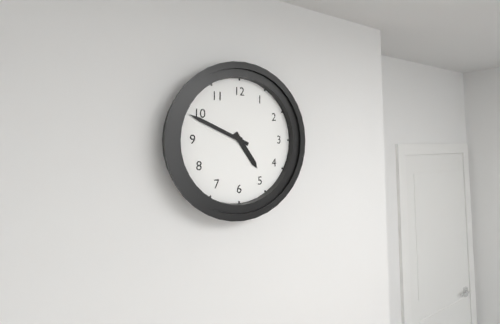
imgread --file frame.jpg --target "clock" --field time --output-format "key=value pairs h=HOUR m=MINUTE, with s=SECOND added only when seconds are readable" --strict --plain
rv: h=4 m=49
